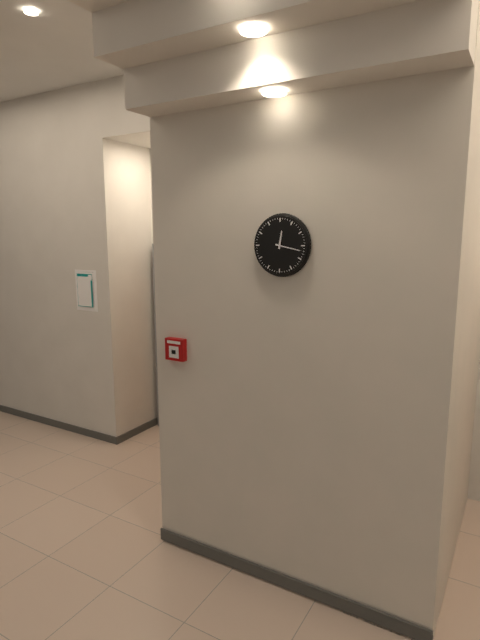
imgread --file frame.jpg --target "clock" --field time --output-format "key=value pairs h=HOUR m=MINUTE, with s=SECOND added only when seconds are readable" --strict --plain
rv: h=12 m=17
